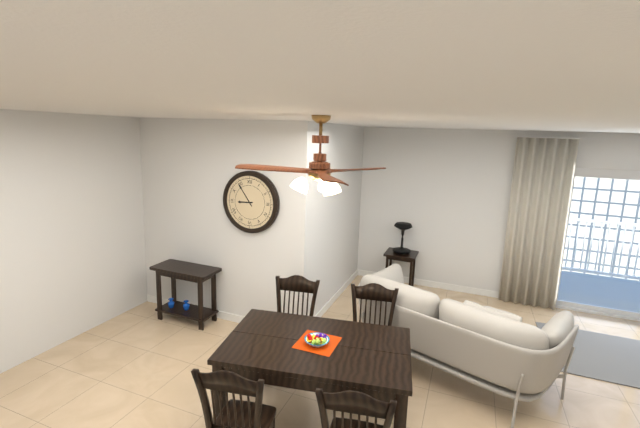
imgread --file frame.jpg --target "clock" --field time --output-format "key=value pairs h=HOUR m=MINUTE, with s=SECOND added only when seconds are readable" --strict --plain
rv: h=8 m=54
